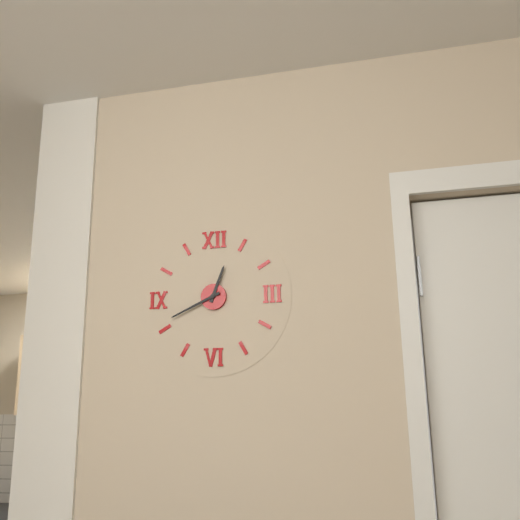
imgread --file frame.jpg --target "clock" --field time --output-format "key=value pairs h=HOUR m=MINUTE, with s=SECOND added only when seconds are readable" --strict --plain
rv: h=12 m=41
